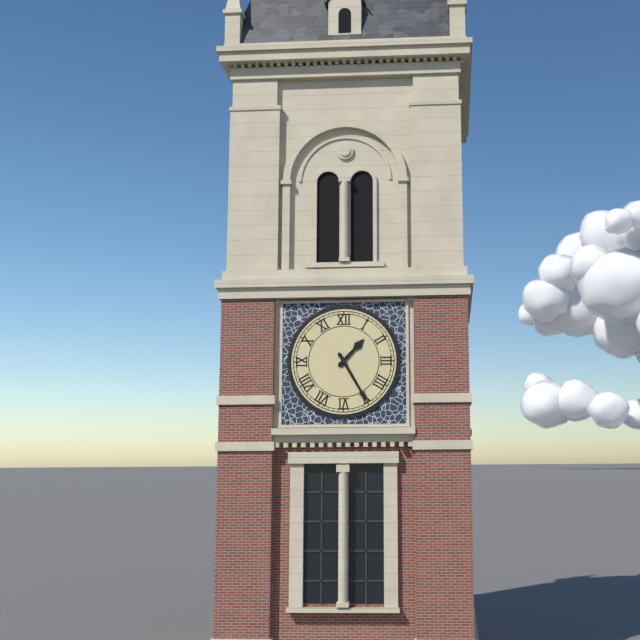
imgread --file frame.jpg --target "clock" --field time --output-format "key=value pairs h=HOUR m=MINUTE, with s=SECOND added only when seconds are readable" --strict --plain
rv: h=1 m=25
